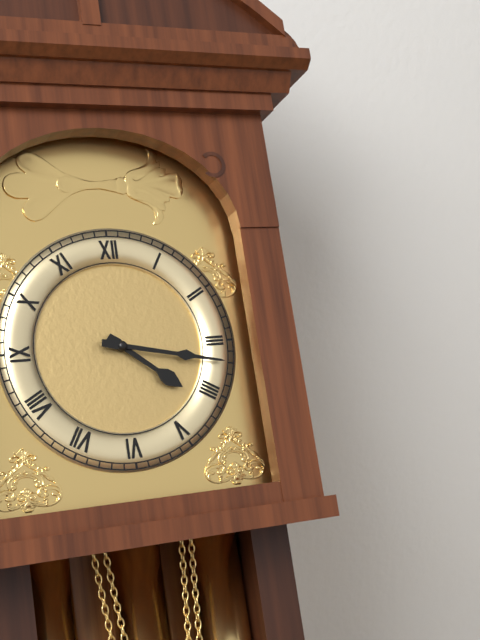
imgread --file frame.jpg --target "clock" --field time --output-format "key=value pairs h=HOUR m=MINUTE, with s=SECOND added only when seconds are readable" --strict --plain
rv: h=4 m=17
